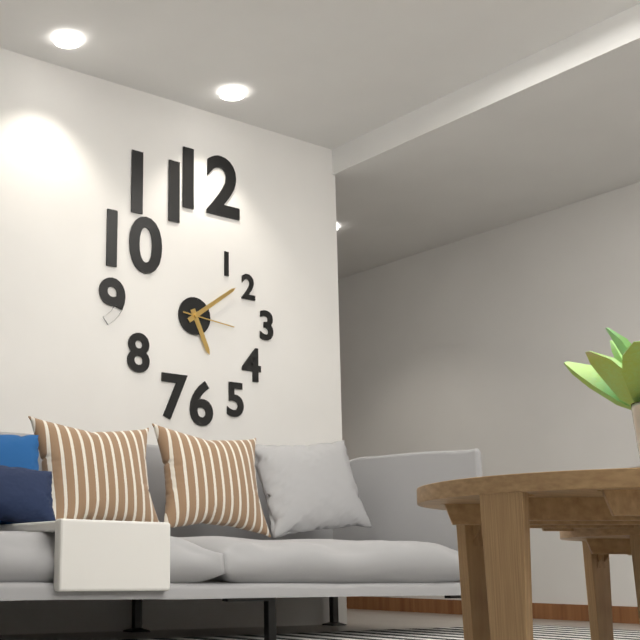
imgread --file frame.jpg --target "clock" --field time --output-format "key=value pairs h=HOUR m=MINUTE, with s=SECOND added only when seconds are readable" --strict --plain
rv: h=5 m=9 s=16
